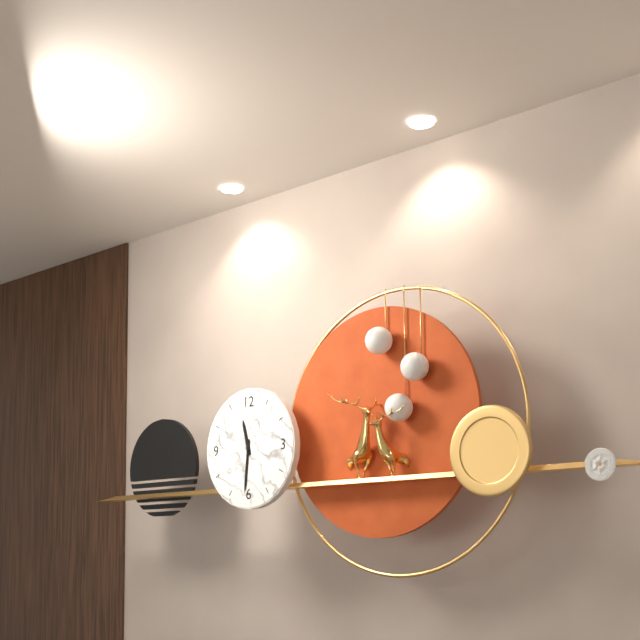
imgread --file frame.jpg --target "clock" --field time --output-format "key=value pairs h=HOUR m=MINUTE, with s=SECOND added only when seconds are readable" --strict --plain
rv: h=11 m=31
